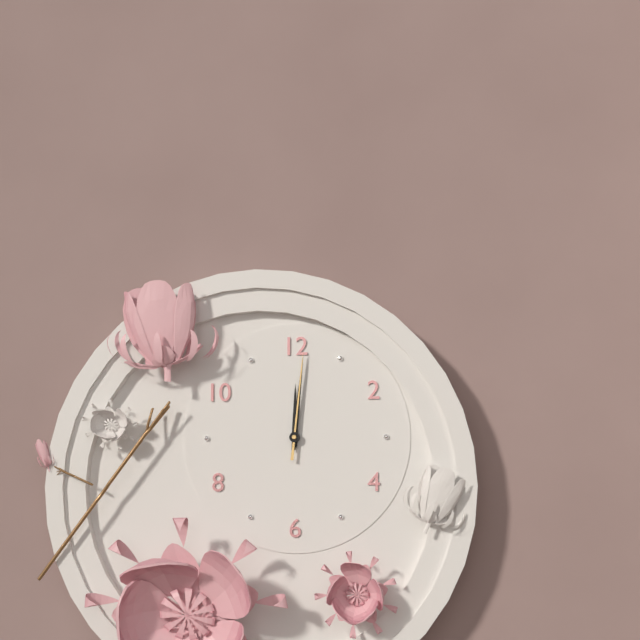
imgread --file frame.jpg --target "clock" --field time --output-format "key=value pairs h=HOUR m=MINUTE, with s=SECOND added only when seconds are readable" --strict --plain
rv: h=12 m=1 s=1
